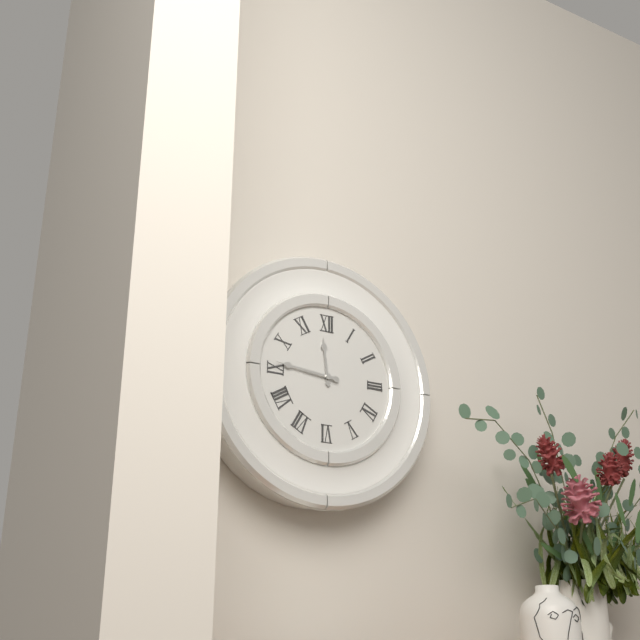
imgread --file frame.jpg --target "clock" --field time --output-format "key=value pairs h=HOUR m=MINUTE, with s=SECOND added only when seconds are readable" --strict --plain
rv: h=11 m=46
